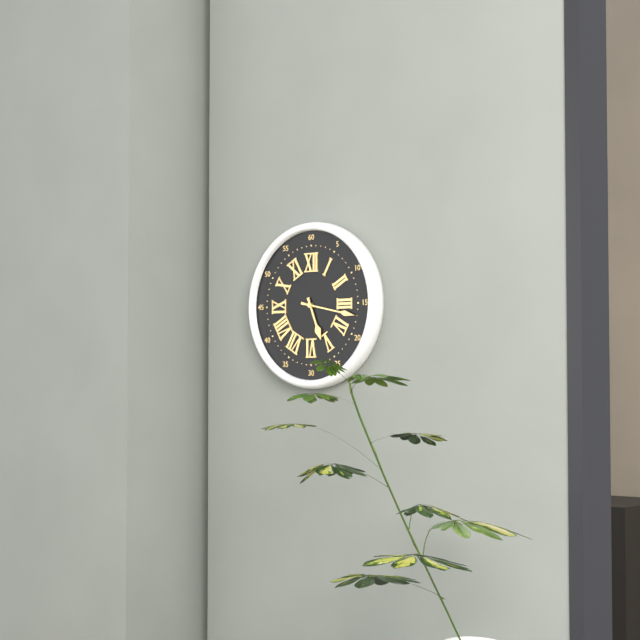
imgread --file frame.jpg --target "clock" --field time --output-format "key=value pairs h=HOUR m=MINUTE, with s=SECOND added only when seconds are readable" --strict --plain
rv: h=5 m=17
